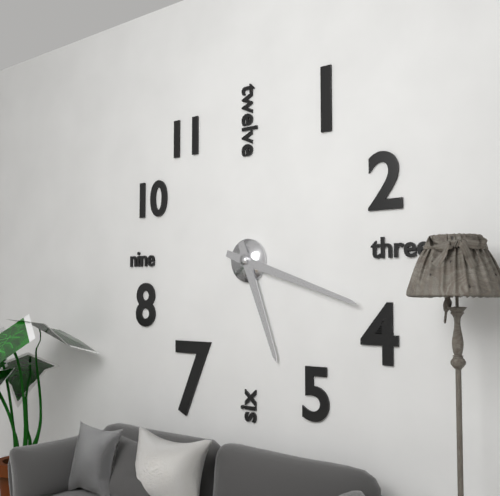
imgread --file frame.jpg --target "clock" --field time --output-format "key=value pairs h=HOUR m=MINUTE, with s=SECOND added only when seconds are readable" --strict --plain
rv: h=5 m=18
